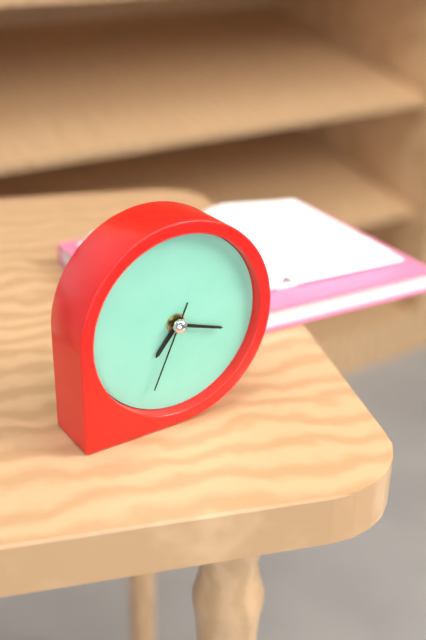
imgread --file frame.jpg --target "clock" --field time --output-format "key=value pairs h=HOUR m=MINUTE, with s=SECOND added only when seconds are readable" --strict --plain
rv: h=7 m=18 s=34
